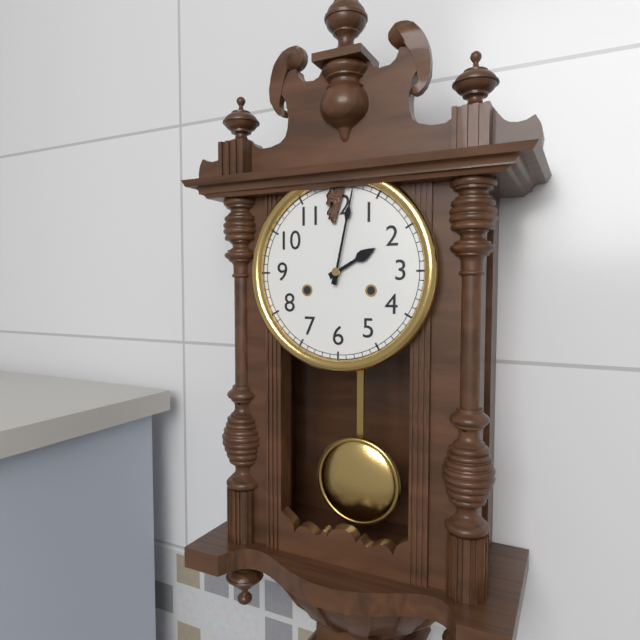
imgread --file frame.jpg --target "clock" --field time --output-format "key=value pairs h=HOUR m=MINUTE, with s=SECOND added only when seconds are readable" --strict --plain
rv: h=2 m=2
